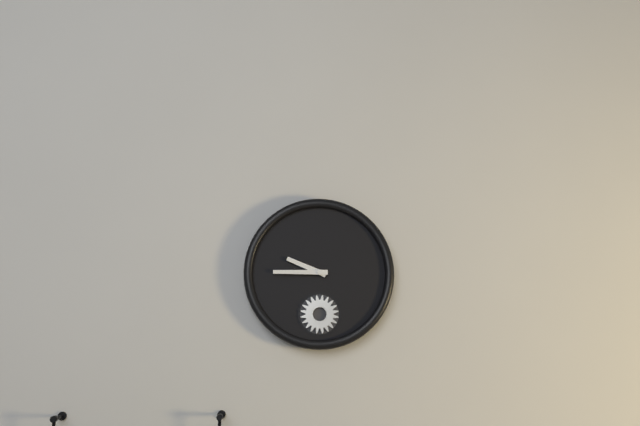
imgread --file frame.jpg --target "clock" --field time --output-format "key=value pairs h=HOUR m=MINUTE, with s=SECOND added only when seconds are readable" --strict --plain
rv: h=9 m=45
